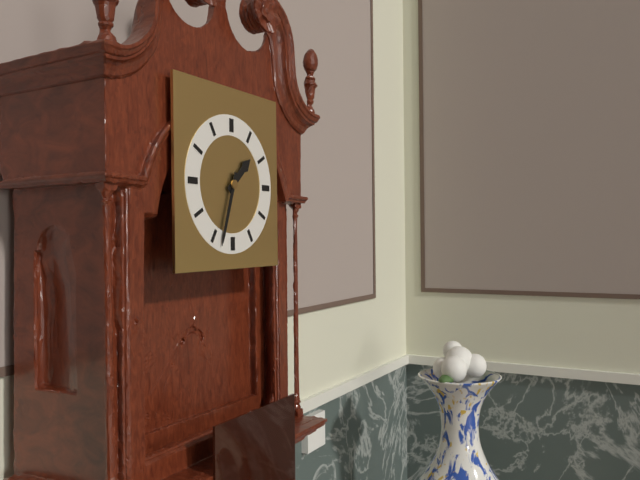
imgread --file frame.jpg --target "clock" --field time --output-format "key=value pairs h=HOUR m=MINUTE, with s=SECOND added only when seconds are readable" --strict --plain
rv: h=1 m=33
